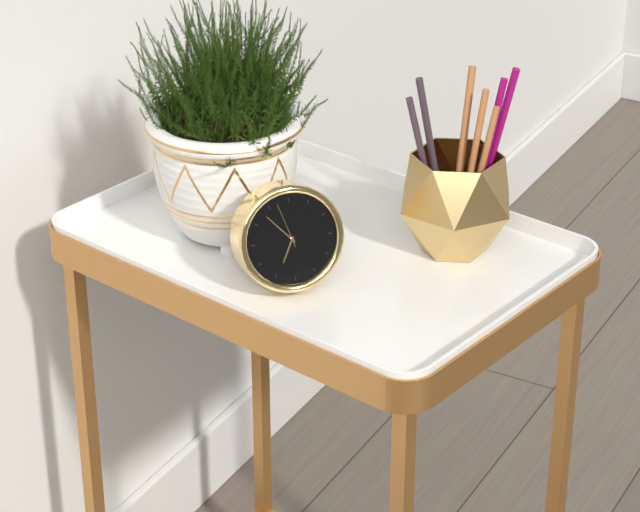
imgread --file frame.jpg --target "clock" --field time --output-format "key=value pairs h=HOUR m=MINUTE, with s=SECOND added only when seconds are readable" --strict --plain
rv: h=6 m=53
